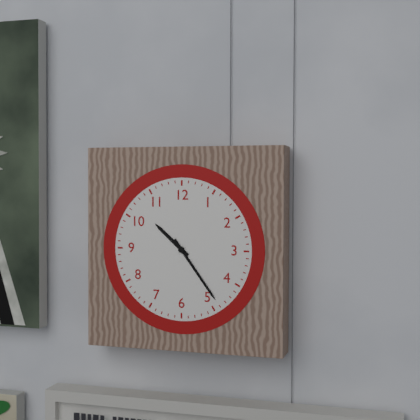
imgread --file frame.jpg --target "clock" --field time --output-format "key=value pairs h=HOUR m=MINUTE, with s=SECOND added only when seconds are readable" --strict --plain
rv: h=10 m=24
